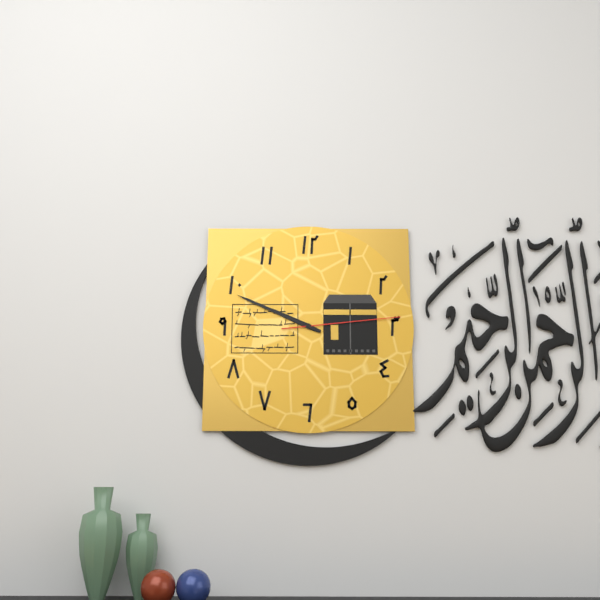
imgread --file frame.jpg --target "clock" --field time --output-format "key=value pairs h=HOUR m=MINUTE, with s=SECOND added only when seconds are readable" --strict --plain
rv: h=9 m=49 s=14
